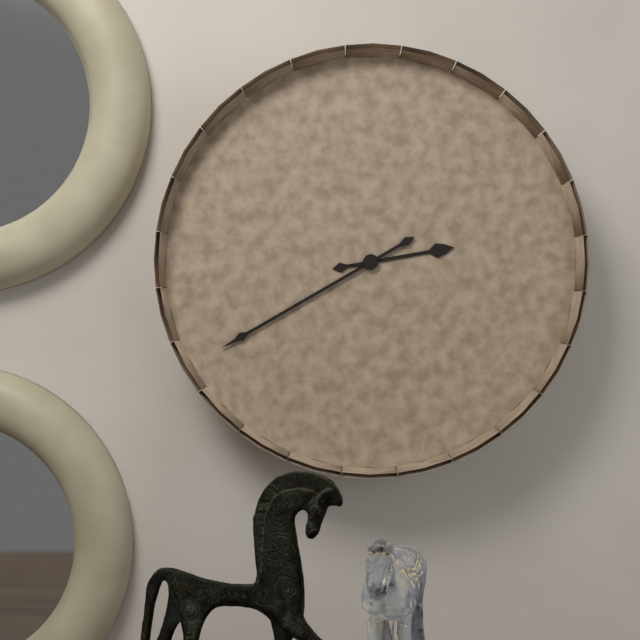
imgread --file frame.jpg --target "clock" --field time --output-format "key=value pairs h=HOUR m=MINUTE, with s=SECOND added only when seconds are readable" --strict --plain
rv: h=2 m=40
